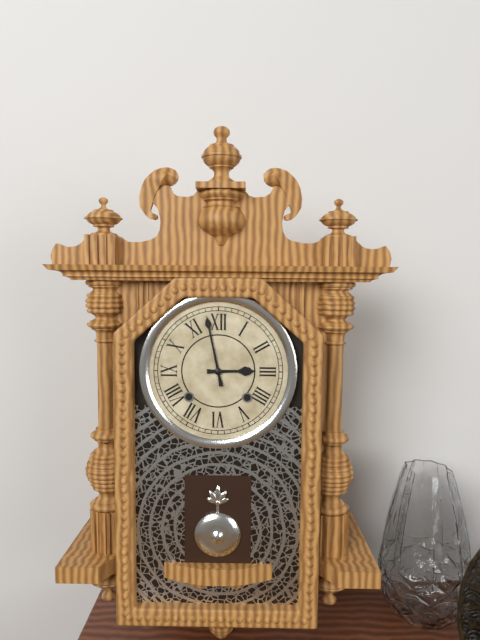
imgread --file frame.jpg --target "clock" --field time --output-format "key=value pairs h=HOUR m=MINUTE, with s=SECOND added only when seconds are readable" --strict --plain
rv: h=2 m=58
